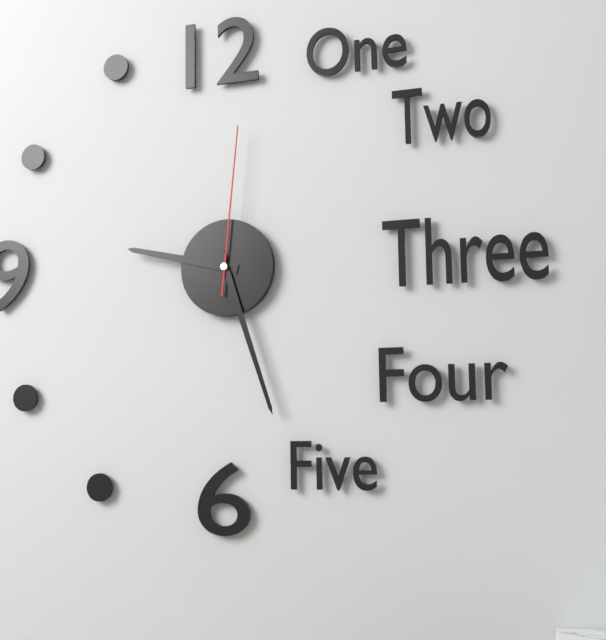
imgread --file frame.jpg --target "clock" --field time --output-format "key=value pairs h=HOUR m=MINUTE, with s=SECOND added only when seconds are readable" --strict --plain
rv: h=9 m=27 s=1
